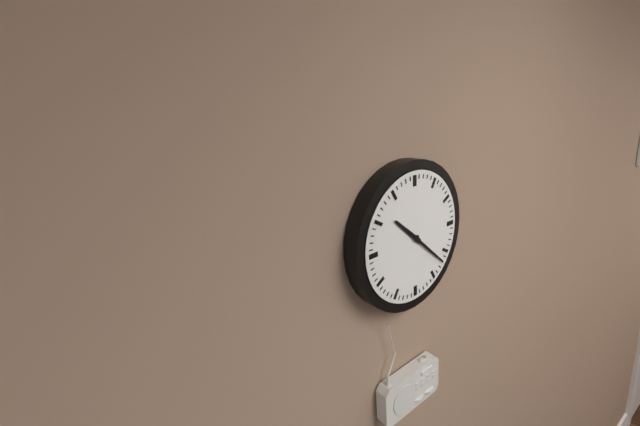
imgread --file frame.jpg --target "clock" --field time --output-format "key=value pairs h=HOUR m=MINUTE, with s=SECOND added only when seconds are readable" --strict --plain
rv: h=10 m=22
